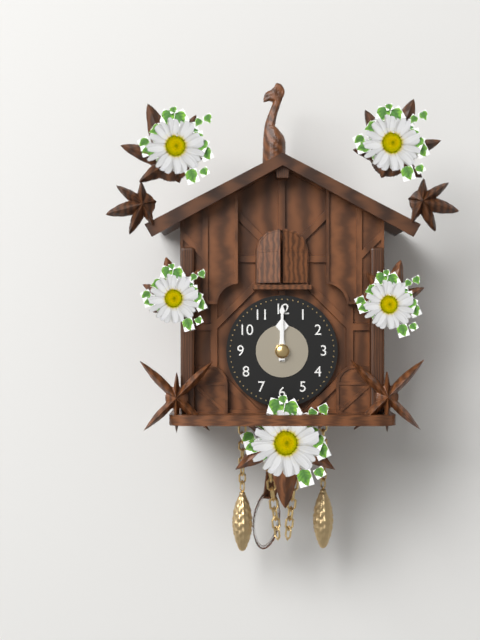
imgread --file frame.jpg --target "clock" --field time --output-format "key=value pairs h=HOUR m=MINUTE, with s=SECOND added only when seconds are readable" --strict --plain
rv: h=12 m=0
